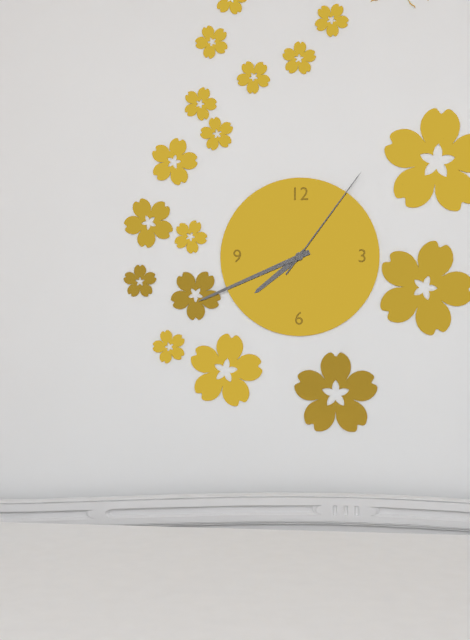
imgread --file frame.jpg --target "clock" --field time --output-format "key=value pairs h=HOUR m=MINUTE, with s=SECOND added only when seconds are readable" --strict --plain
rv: h=7 m=41 s=6
